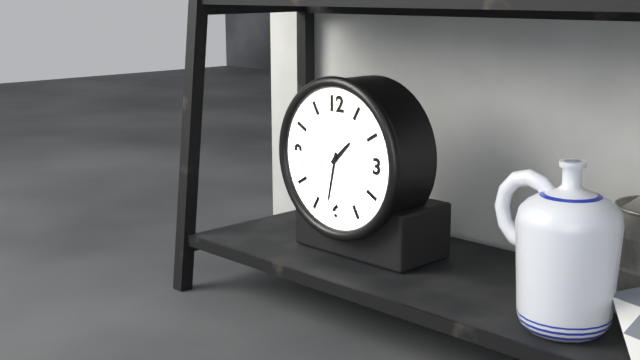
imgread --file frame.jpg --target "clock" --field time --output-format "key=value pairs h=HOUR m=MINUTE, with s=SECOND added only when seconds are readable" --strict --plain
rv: h=1 m=32
